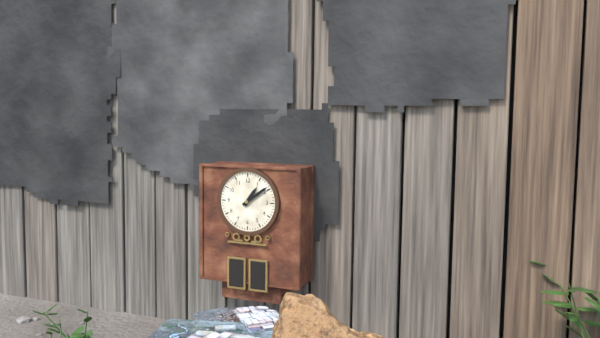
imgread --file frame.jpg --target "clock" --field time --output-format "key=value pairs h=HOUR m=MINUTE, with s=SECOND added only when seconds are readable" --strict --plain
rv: h=1 m=9
